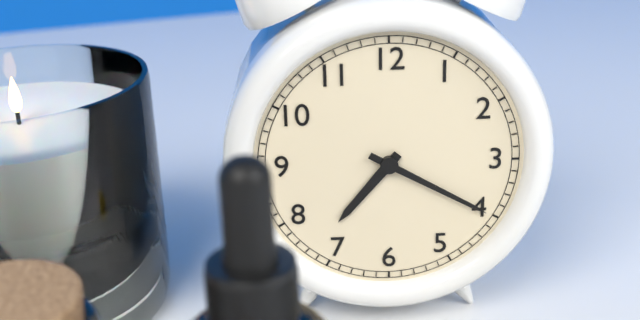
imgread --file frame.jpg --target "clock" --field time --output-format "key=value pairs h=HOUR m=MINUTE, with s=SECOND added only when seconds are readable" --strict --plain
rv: h=7 m=20
